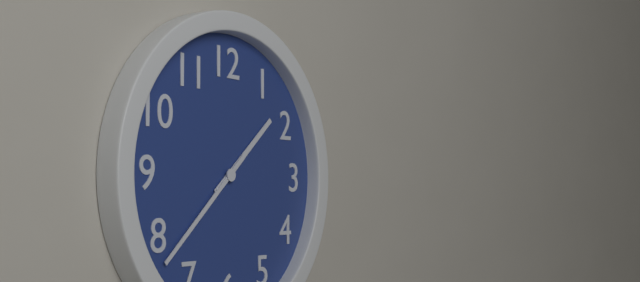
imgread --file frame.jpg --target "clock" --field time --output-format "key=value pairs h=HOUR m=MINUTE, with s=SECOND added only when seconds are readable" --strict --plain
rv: h=1 m=38
